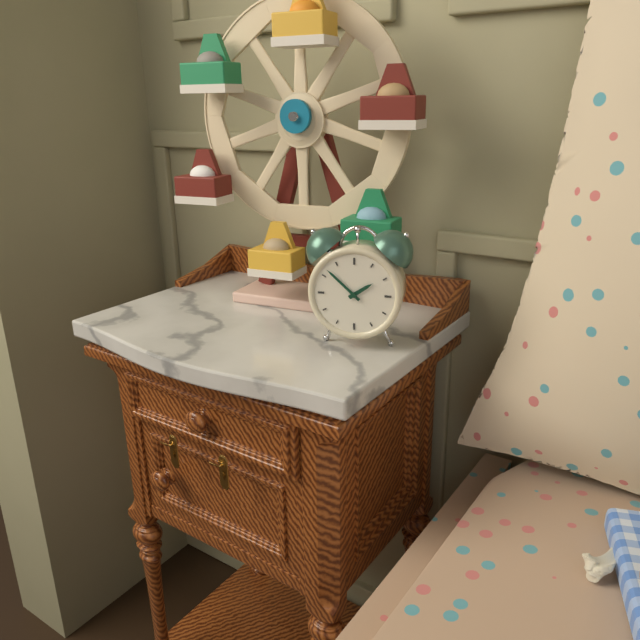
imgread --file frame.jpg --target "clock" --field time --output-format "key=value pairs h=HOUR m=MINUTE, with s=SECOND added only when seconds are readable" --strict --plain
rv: h=1 m=52
